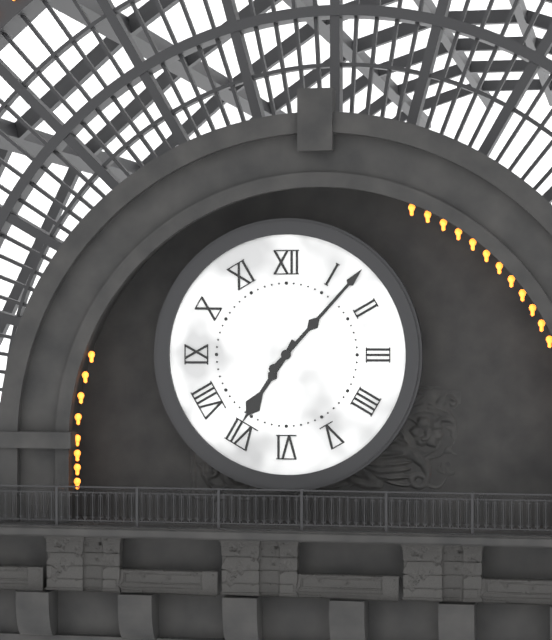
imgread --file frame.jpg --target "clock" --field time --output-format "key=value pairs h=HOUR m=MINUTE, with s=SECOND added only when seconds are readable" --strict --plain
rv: h=7 m=7
